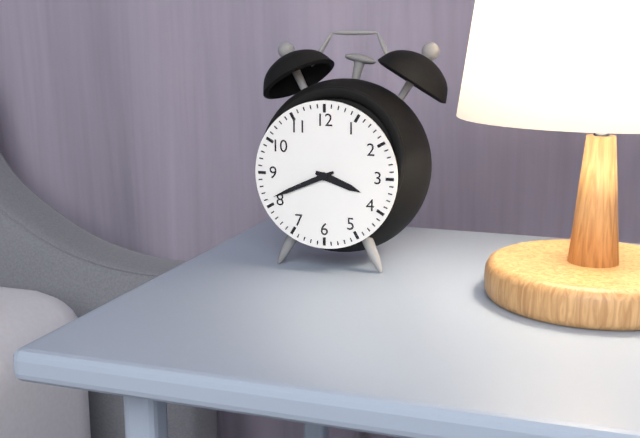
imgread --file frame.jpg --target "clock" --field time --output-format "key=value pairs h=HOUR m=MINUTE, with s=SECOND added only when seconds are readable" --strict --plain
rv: h=3 m=41
